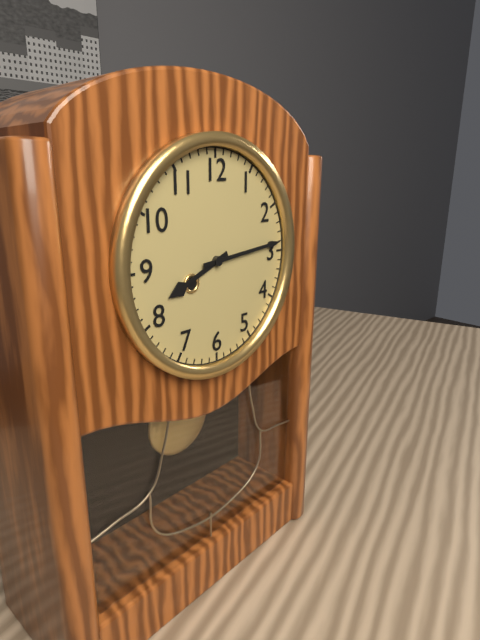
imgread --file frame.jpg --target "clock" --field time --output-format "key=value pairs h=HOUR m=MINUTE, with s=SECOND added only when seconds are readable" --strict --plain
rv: h=8 m=14
